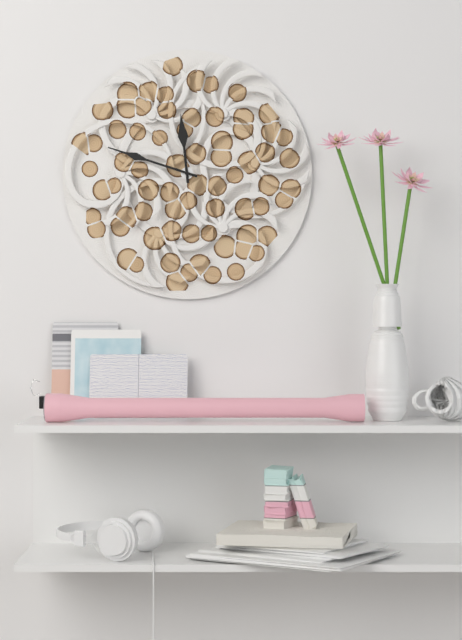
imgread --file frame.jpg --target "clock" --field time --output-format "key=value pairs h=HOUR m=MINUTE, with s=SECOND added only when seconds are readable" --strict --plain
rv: h=11 m=48
